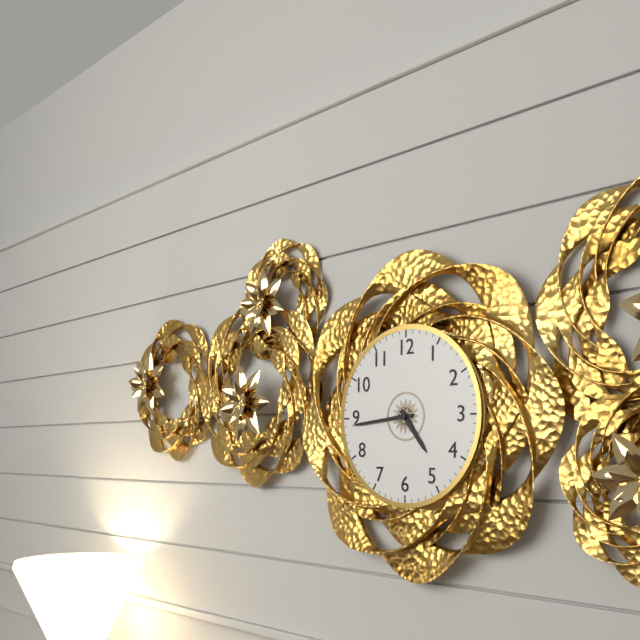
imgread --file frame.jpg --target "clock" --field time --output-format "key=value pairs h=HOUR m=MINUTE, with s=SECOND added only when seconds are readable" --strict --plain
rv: h=4 m=44
